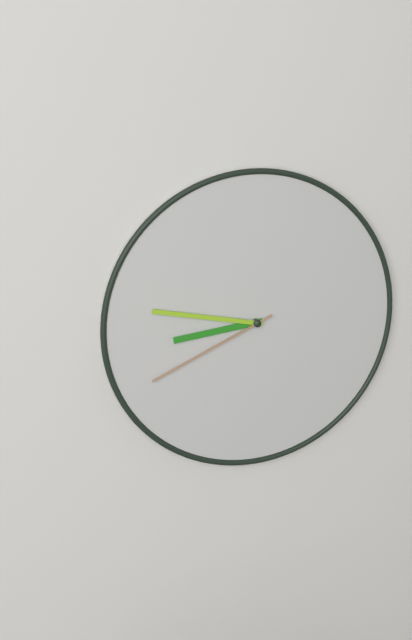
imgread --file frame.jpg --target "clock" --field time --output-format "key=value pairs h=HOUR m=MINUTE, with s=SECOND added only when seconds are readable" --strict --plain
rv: h=8 m=47 s=41
